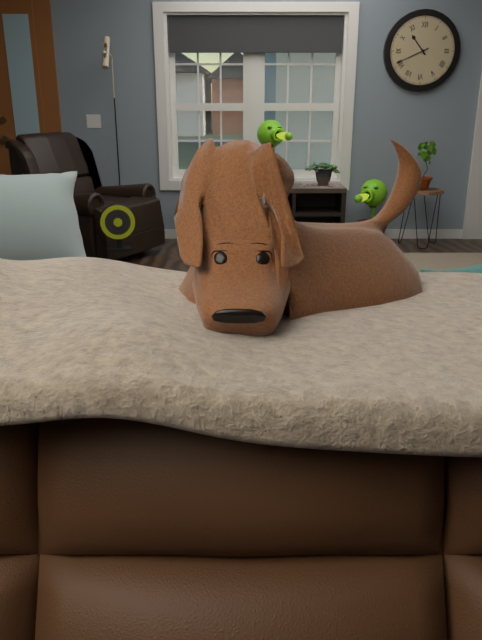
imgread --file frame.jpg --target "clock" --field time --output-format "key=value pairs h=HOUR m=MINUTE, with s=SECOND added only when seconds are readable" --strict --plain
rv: h=10 m=41
